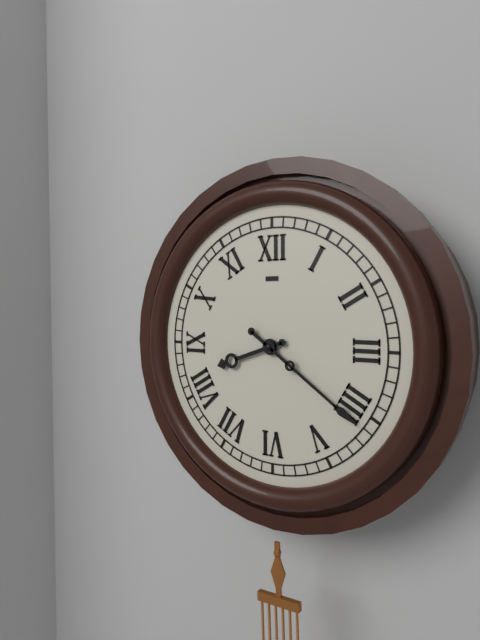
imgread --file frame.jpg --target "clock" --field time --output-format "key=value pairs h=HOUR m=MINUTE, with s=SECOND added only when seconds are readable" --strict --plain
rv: h=8 m=21
